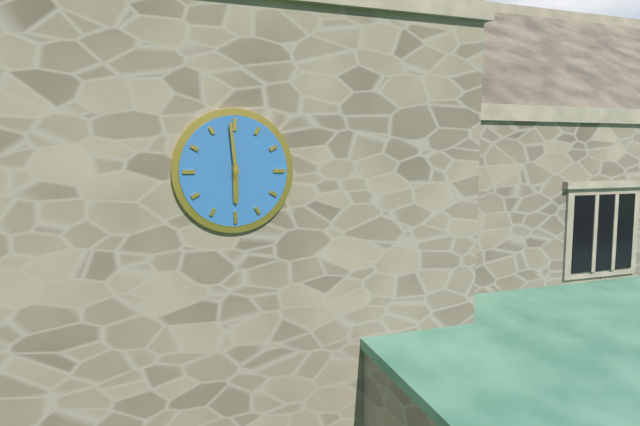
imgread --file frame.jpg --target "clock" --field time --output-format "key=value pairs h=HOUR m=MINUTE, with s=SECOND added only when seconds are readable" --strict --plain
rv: h=5 m=59
